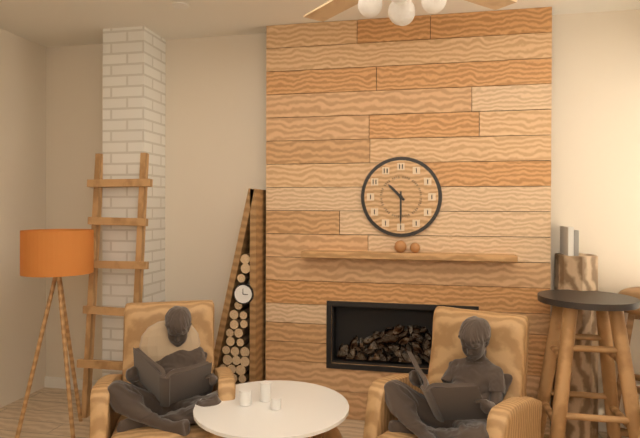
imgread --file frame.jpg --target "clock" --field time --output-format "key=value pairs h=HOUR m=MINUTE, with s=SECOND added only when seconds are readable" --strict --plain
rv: h=10 m=30
